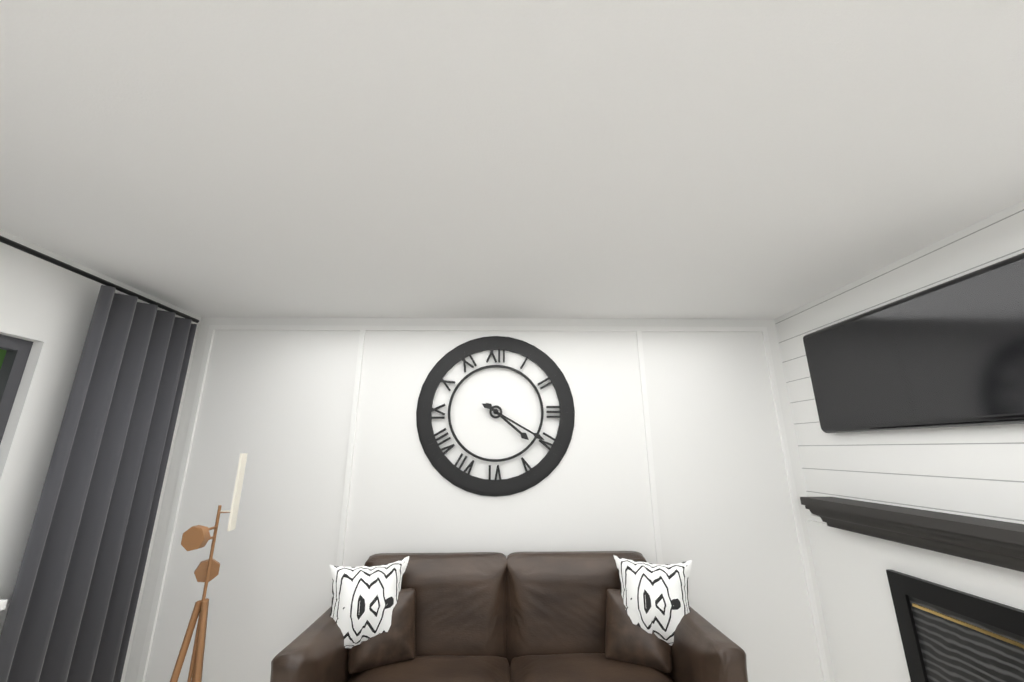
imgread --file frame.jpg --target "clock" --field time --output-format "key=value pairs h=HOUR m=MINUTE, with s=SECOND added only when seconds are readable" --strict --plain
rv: h=4 m=20
